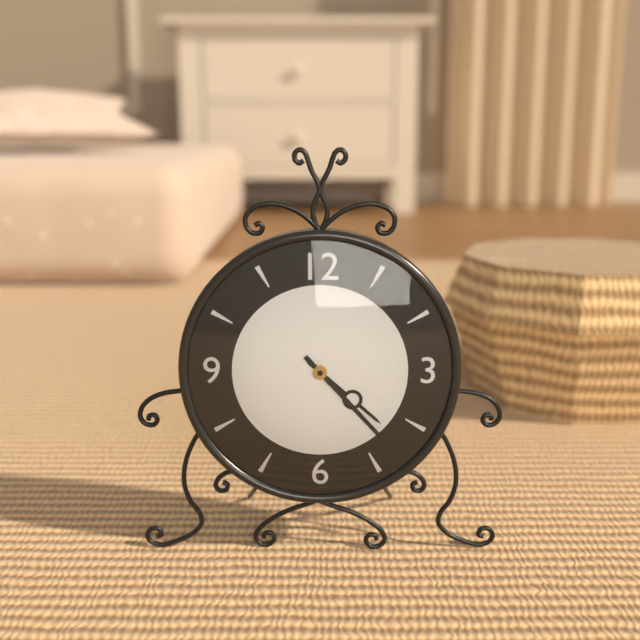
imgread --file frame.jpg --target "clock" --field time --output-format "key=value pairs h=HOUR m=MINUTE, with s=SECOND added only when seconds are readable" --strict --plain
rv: h=4 m=23
